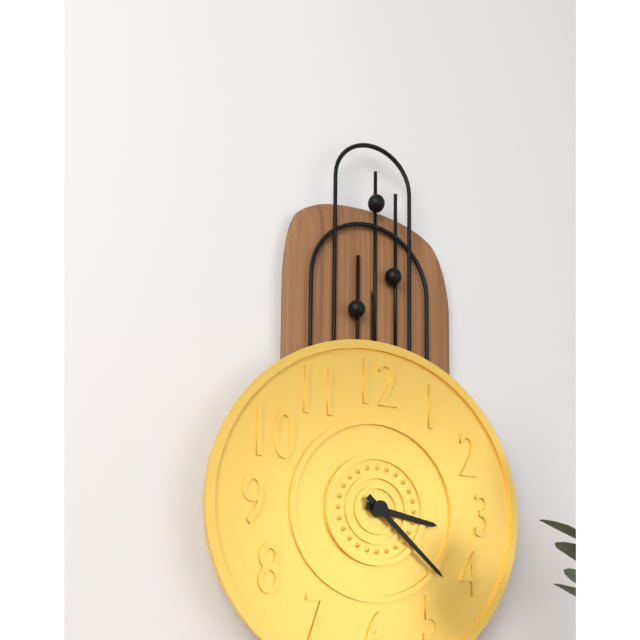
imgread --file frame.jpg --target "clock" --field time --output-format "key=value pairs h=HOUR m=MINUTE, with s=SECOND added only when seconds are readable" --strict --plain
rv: h=3 m=22
